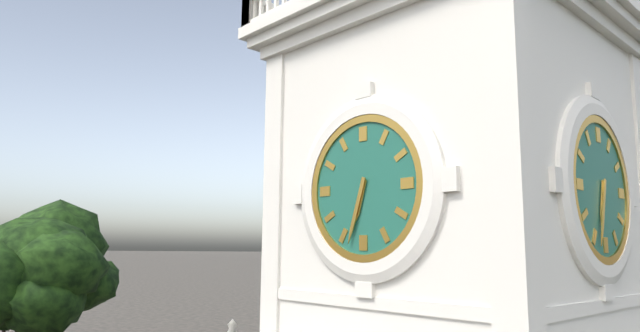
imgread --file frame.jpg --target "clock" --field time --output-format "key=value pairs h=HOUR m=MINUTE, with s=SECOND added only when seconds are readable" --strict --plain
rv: h=6 m=33
